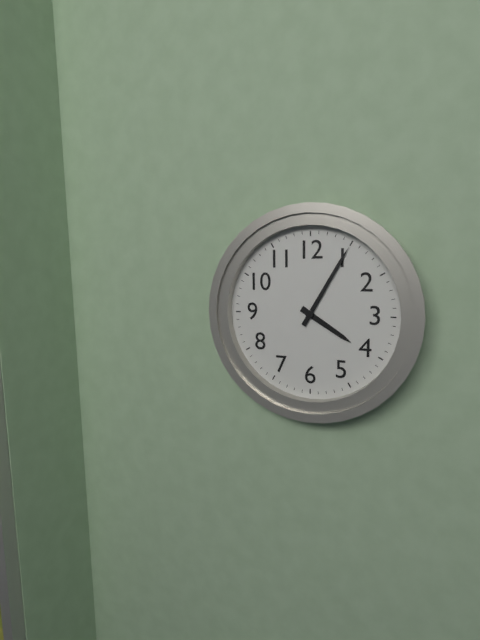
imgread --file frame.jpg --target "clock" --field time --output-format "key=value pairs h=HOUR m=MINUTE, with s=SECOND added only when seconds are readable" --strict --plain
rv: h=4 m=5
